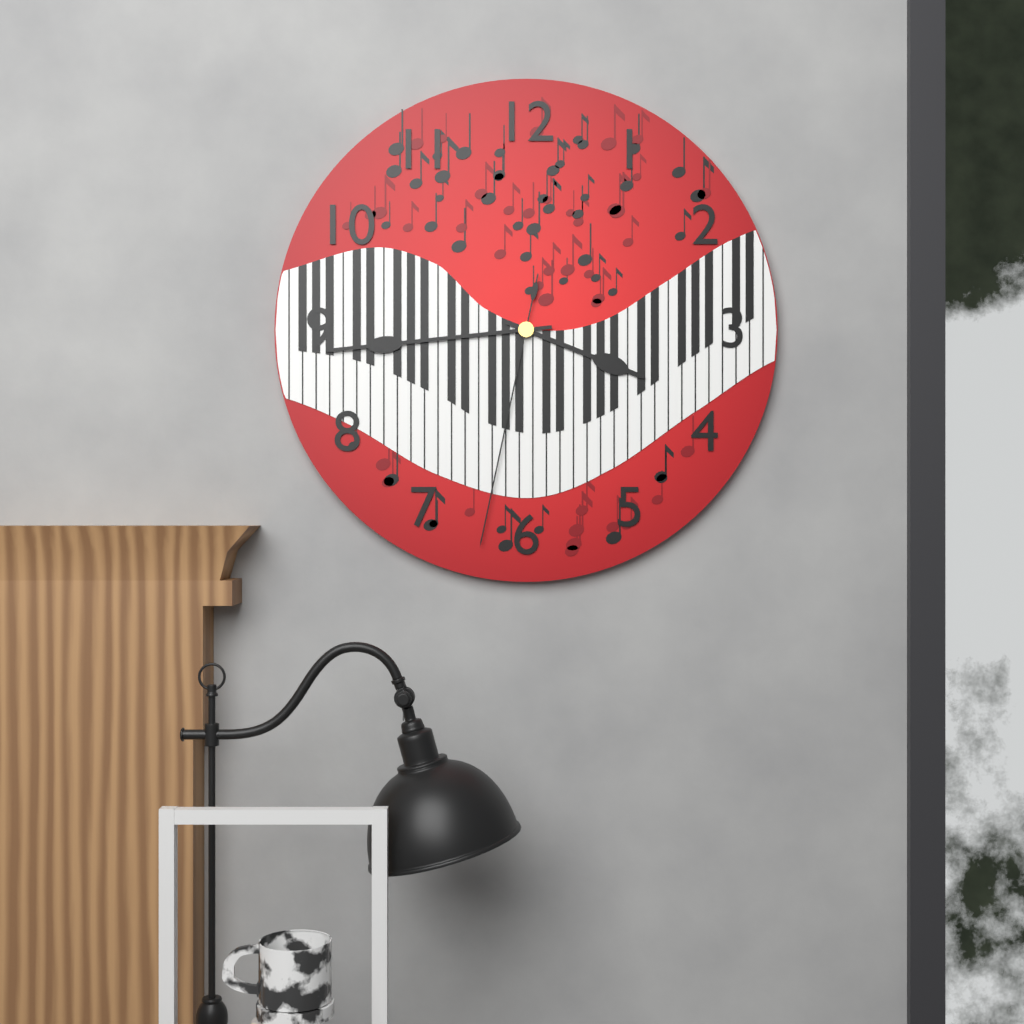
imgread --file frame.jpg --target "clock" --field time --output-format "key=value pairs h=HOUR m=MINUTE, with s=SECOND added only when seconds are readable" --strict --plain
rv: h=3 m=44 s=32
